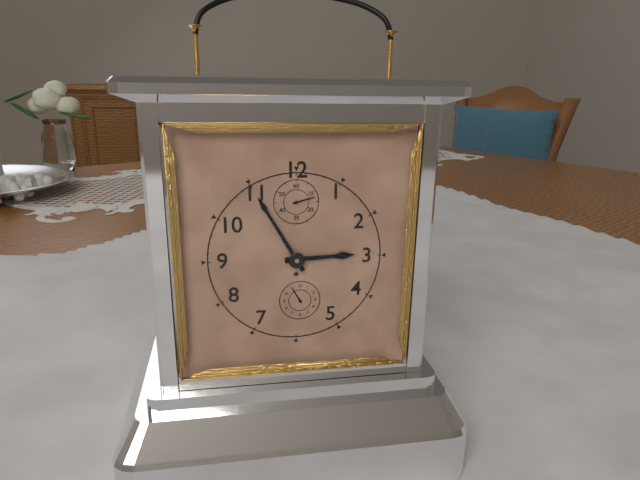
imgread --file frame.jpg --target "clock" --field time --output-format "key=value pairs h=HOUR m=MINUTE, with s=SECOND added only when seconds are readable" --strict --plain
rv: h=2 m=55
